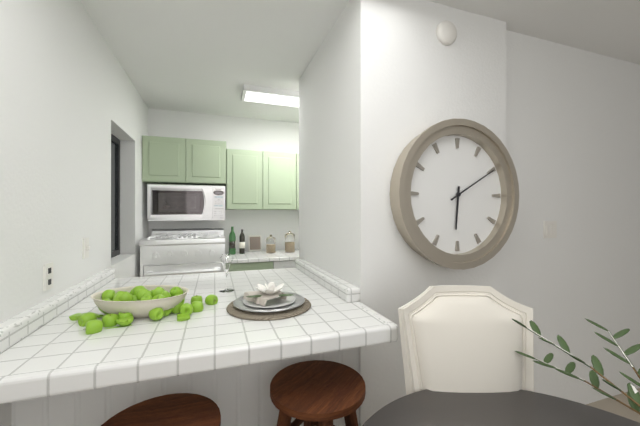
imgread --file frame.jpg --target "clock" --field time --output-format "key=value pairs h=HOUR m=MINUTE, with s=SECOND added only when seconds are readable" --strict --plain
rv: h=6 m=10
